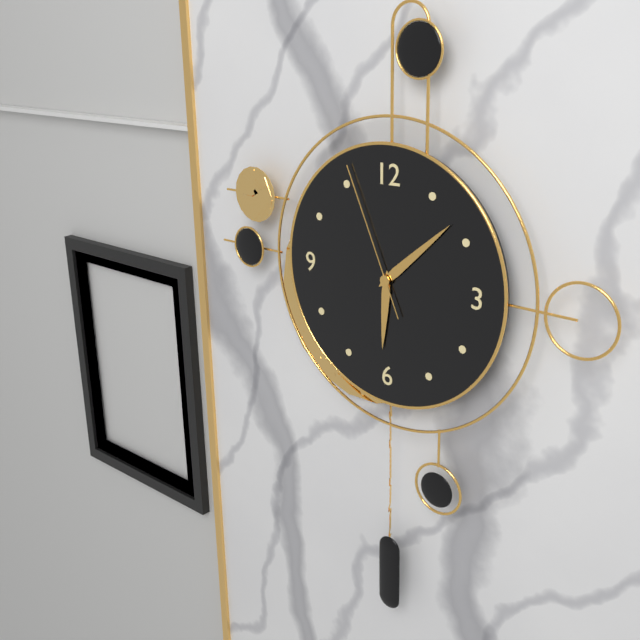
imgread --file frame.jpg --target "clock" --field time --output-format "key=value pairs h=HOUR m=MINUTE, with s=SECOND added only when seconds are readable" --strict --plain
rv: h=6 m=8 s=56
